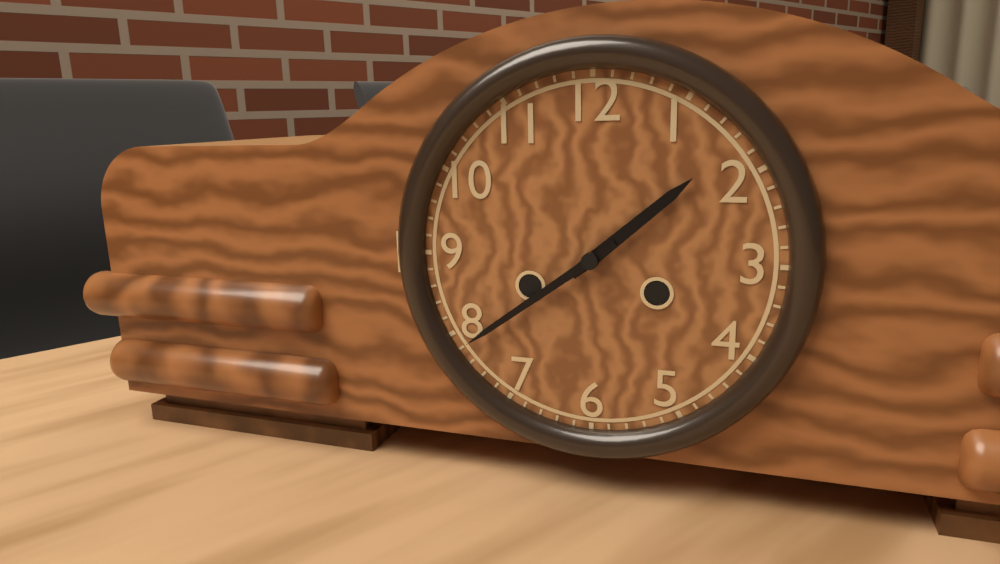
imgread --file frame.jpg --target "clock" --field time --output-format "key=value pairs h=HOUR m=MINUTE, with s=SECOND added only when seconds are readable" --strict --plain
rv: h=1 m=39
